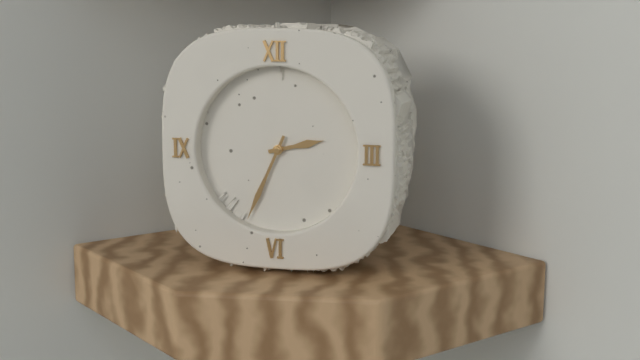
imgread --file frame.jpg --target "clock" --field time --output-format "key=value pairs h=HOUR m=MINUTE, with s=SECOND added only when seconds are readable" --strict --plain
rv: h=2 m=34
